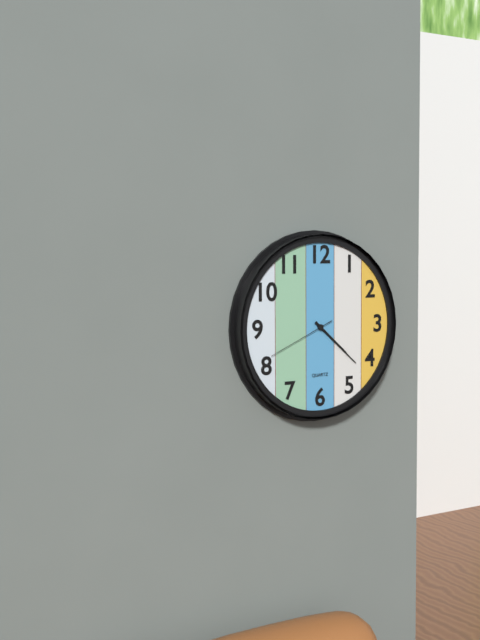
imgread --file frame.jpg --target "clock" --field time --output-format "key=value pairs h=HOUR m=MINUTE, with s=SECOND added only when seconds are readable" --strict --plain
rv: h=4 m=22 s=41
